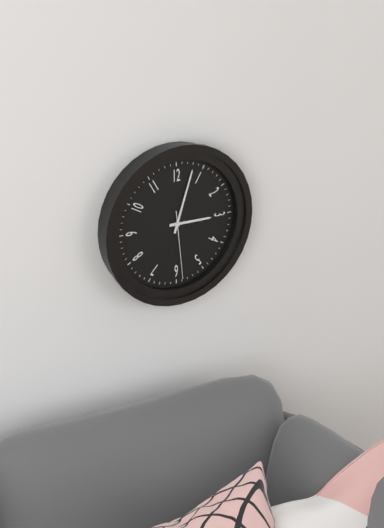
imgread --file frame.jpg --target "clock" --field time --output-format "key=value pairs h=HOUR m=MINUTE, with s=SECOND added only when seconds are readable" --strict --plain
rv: h=3 m=3 s=29
